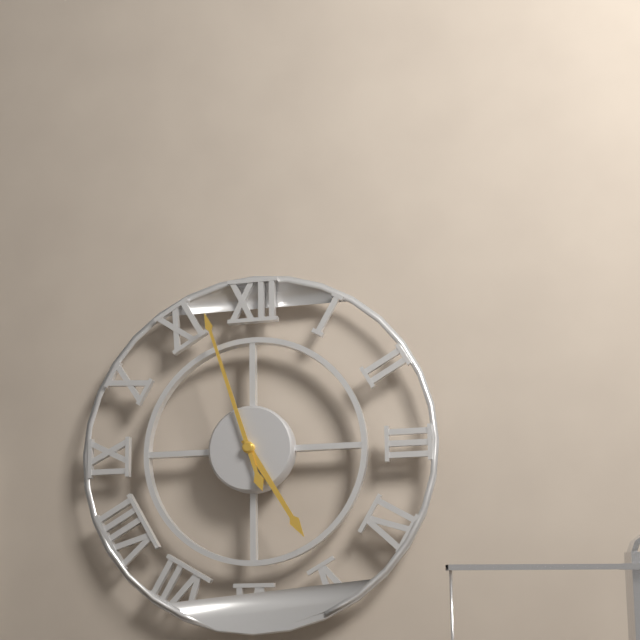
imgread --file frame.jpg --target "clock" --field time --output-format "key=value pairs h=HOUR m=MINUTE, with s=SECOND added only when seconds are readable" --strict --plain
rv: h=4 m=57
